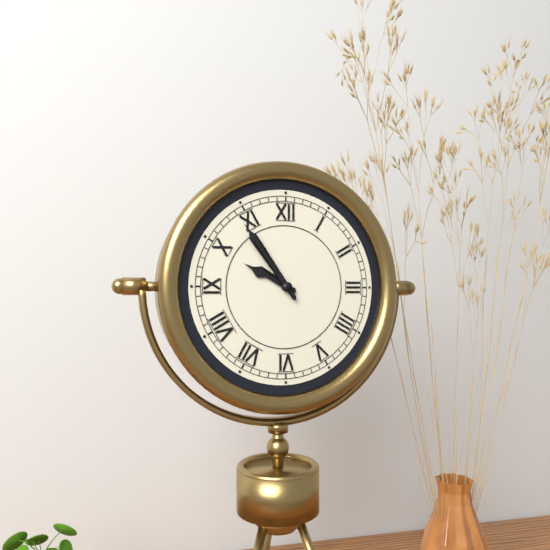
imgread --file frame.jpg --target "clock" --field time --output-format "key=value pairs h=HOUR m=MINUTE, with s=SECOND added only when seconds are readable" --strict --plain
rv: h=9 m=54
